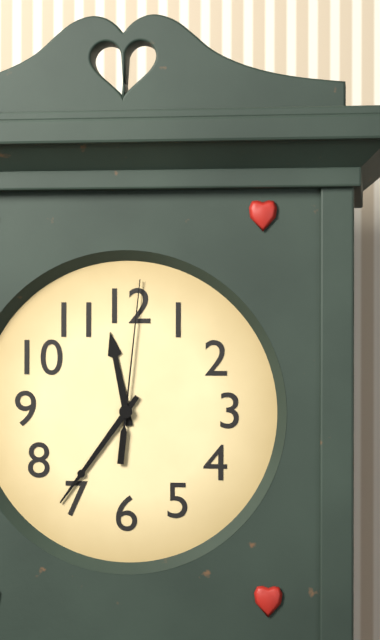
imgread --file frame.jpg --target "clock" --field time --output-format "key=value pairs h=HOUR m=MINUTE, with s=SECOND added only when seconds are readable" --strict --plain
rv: h=11 m=36 s=1
